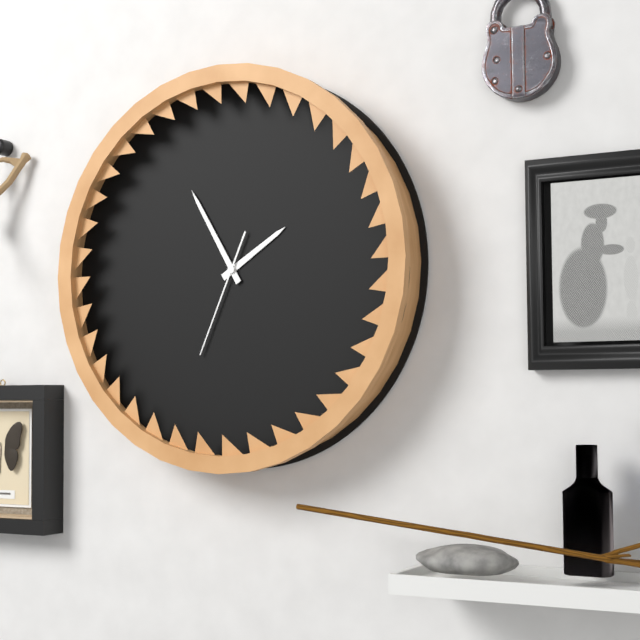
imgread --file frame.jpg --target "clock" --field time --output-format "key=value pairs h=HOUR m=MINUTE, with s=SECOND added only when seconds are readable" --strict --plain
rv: h=1 m=55 s=34
